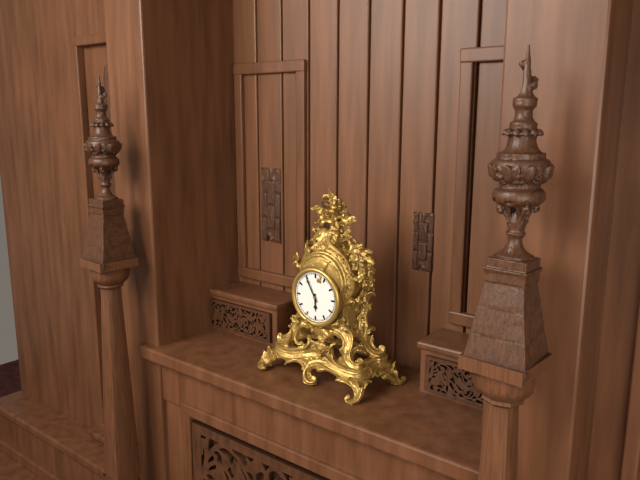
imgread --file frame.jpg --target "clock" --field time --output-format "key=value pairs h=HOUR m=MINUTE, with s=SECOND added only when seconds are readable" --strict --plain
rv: h=5 m=55
